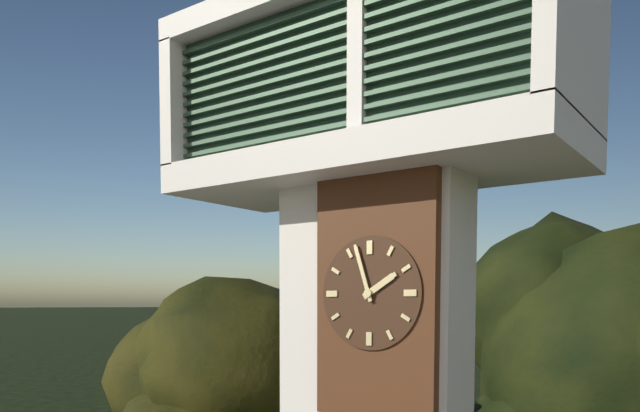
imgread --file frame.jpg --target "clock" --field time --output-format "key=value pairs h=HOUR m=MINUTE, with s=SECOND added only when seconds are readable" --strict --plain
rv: h=1 m=57
